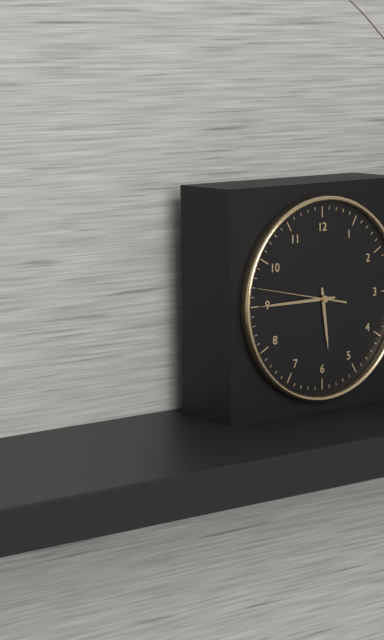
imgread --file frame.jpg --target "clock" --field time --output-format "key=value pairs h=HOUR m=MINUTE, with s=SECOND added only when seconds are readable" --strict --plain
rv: h=5 m=45 s=47
